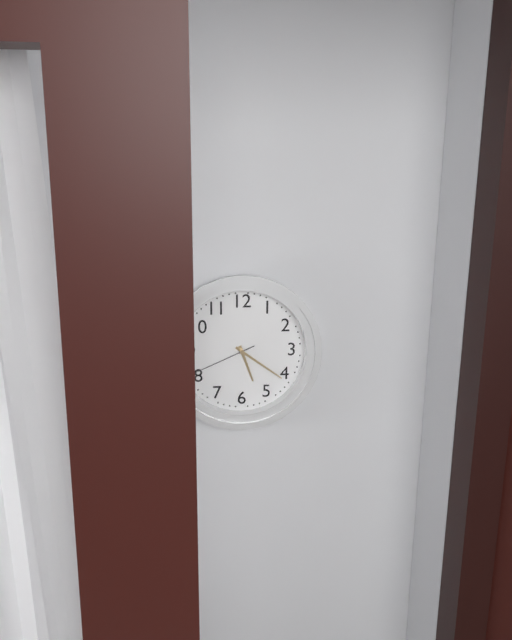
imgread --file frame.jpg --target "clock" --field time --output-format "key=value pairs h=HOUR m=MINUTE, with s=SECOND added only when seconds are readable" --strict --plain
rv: h=5 m=21 s=41
